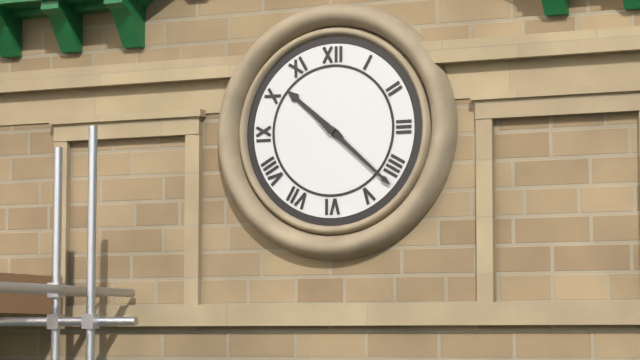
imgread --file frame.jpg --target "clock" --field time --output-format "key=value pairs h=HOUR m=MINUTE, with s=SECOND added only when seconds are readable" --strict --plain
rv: h=10 m=22
